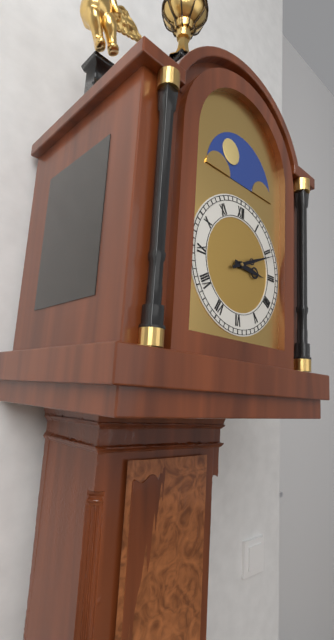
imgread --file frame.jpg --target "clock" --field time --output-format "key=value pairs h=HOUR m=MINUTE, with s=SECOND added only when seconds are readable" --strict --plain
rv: h=3 m=11
